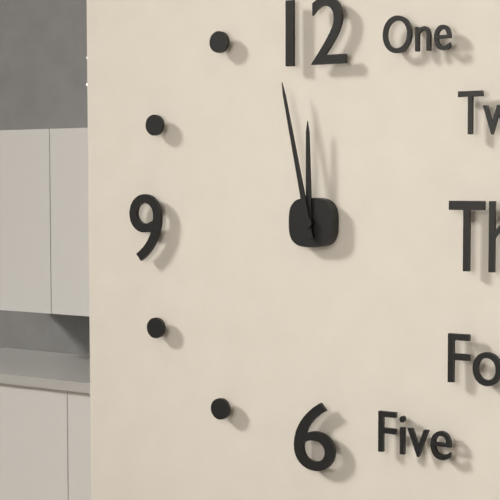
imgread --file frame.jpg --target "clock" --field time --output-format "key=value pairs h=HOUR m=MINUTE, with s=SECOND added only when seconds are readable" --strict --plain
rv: h=11 m=58
